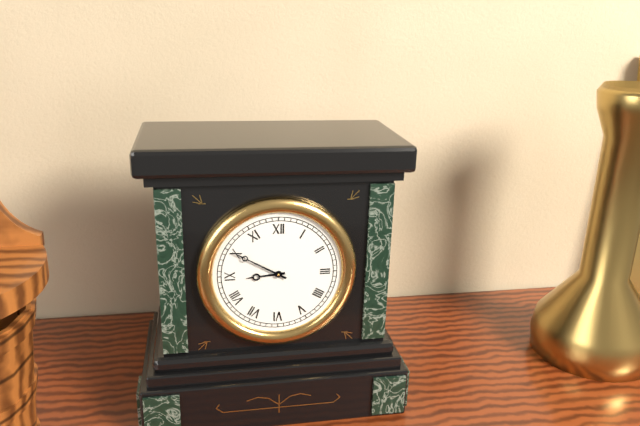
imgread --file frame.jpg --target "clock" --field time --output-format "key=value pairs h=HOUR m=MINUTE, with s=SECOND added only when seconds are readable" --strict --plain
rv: h=8 m=50
